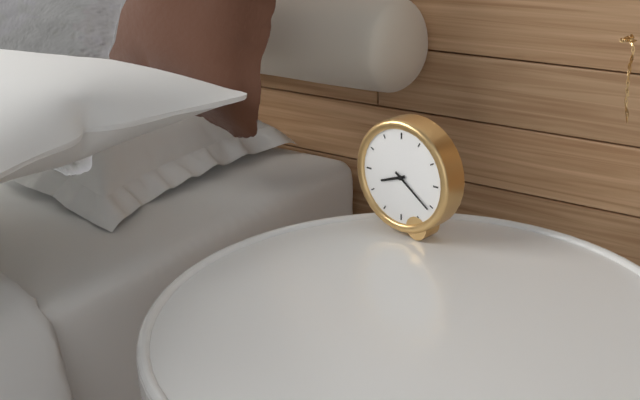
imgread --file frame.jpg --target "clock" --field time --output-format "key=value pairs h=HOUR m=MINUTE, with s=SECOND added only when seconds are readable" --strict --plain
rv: h=8 m=21
